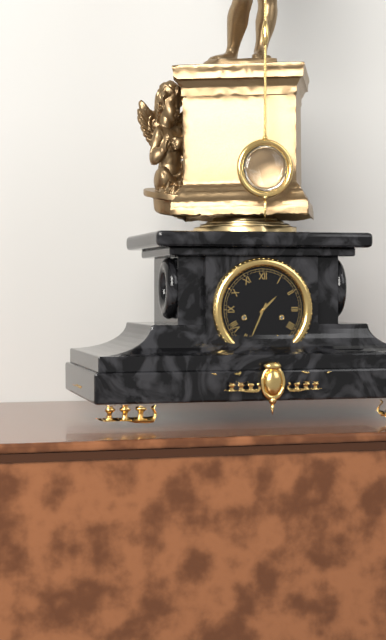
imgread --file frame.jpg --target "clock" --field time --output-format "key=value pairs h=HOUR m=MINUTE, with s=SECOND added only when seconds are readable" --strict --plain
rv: h=1 m=34
